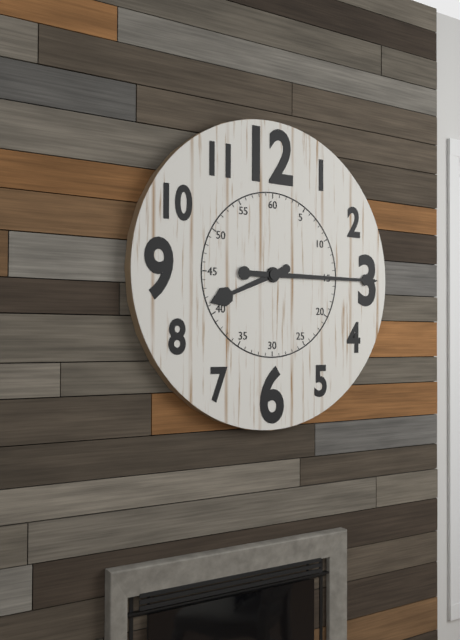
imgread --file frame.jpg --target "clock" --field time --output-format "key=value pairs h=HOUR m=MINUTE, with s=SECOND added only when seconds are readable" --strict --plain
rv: h=8 m=15
